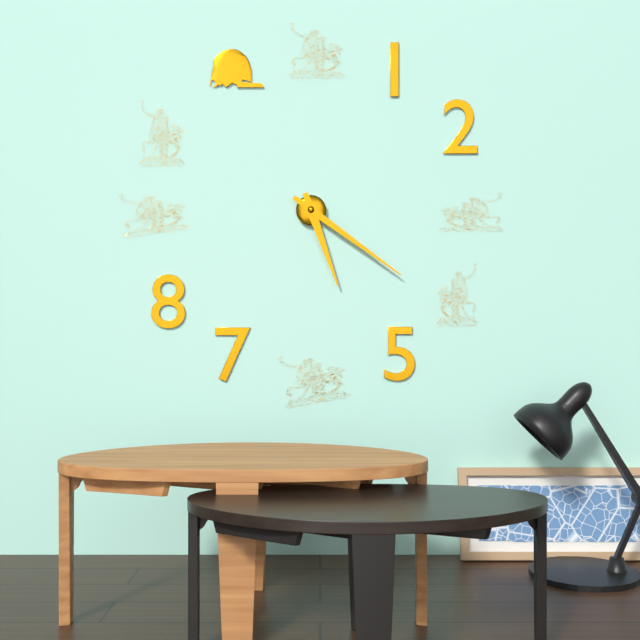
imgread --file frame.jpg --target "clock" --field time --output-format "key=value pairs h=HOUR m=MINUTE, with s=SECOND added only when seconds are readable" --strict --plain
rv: h=5 m=21
